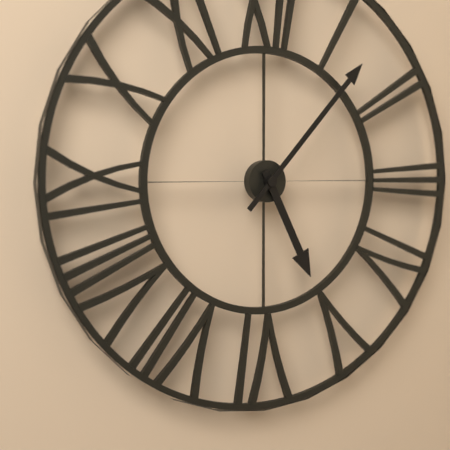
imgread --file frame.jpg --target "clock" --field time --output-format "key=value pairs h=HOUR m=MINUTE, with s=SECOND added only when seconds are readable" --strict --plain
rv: h=5 m=7
